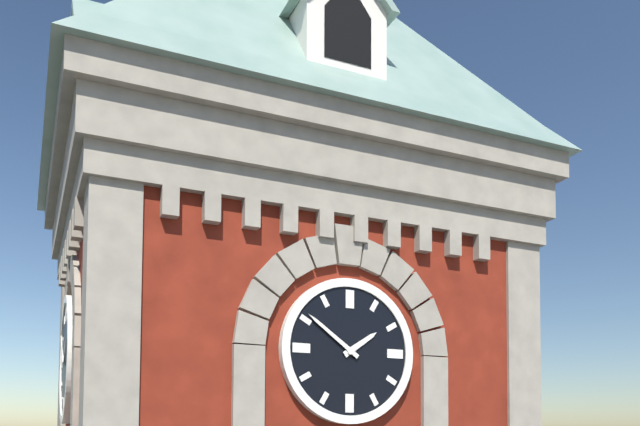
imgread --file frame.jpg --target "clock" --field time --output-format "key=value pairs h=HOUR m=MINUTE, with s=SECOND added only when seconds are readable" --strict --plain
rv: h=1 m=51
